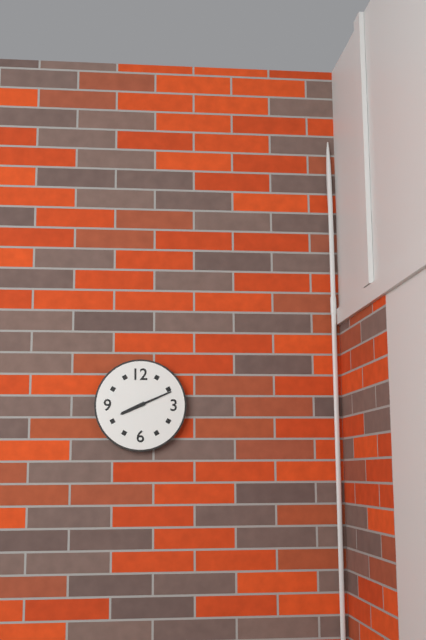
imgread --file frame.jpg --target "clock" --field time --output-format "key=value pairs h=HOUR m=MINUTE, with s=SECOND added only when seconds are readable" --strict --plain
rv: h=8 m=11
